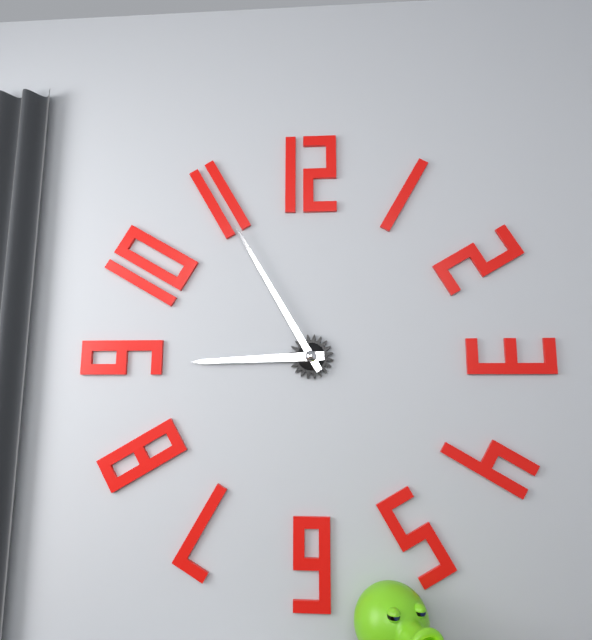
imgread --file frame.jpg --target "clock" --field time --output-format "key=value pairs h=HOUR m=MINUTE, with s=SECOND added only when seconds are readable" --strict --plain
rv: h=8 m=55
